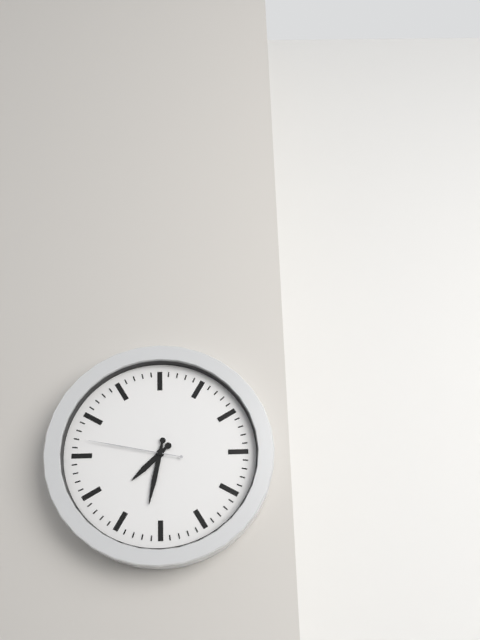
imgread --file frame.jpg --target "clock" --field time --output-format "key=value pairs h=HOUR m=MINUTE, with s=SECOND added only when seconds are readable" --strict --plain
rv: h=7 m=32 s=47
